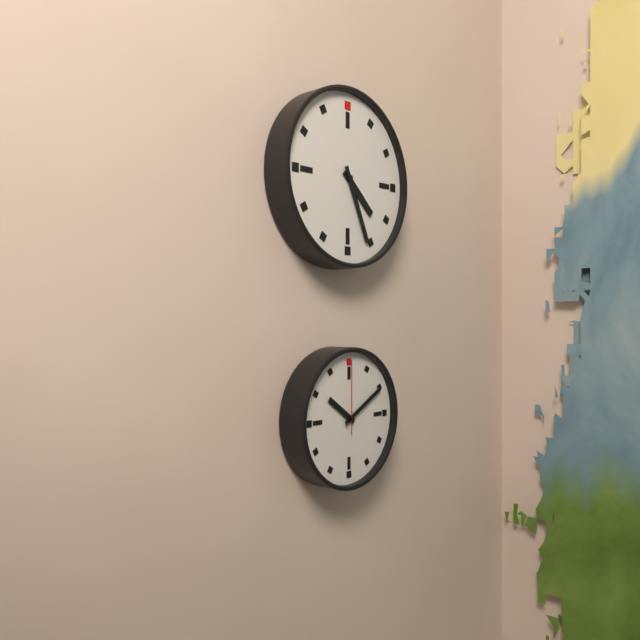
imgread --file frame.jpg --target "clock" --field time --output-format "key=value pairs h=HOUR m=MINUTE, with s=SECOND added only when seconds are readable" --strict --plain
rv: h=4 m=26
